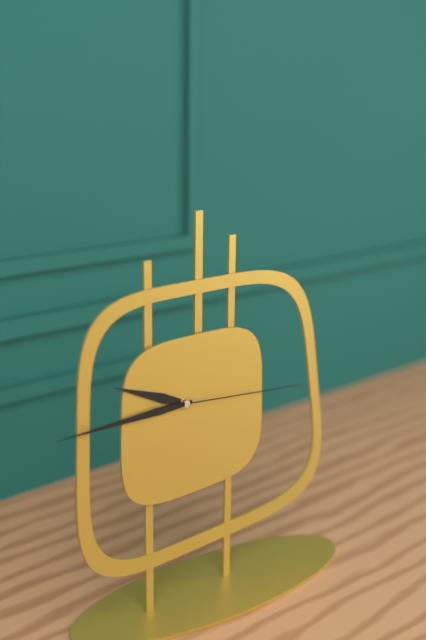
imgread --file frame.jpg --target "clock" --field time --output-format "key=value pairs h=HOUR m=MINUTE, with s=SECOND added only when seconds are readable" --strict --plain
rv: h=9 m=45 s=16
